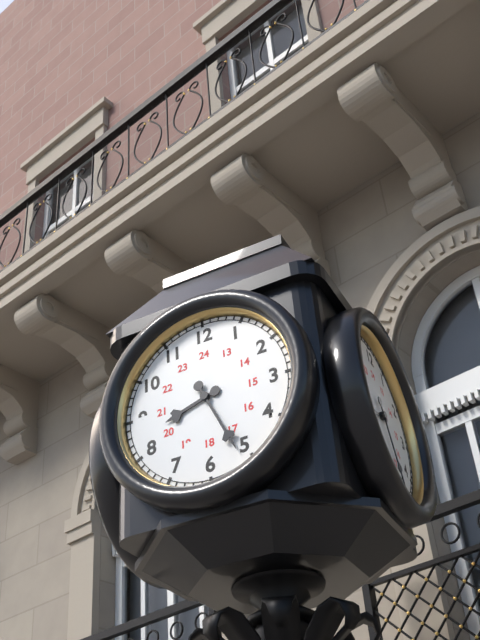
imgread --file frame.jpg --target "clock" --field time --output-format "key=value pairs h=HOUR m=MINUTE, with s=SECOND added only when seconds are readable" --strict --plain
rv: h=8 m=26
